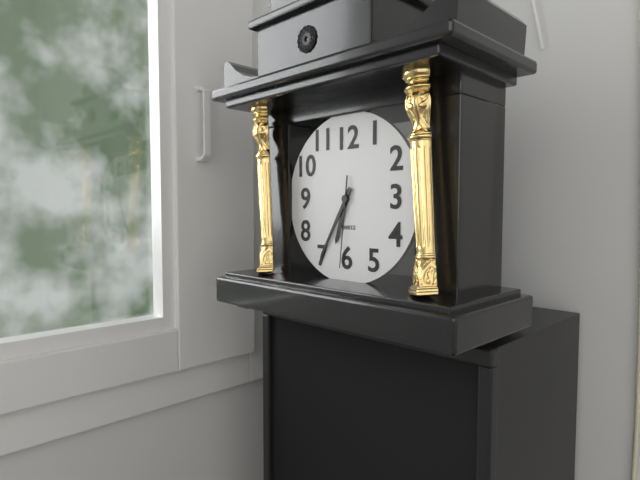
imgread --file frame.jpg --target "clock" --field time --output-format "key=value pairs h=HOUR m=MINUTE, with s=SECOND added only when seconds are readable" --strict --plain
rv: h=6 m=35 s=31
